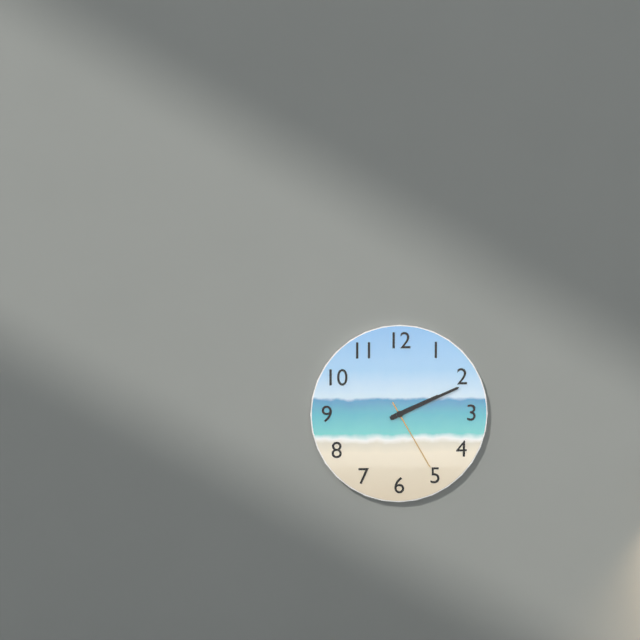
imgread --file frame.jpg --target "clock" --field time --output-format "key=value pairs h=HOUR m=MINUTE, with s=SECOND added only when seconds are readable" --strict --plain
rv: h=2 m=11 s=25
